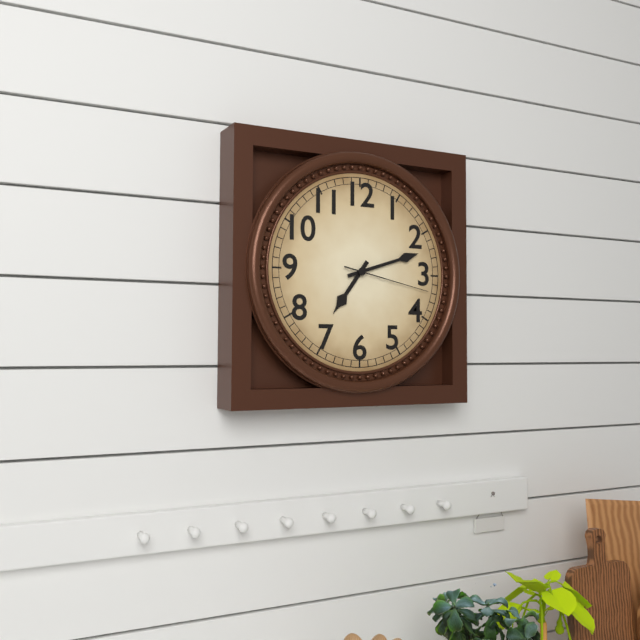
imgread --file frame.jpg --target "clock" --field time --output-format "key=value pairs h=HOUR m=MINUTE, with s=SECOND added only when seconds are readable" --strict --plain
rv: h=7 m=12 s=17
